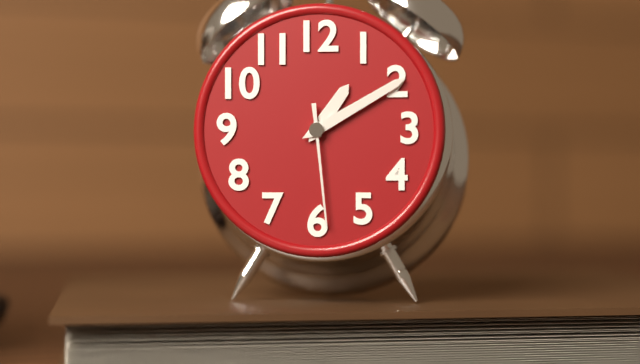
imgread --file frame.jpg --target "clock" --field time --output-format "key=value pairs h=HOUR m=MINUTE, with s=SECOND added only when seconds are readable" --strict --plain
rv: h=1 m=10 s=29
